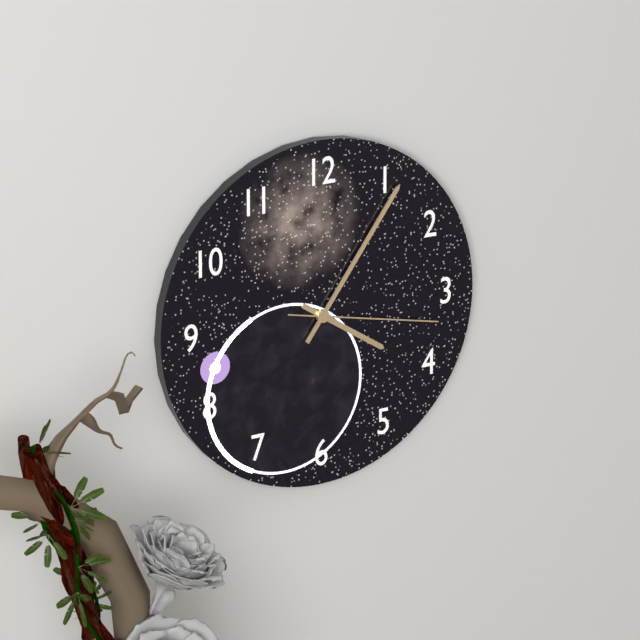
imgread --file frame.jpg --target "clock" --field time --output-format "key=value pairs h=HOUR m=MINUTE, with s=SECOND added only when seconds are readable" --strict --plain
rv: h=4 m=6 s=17
